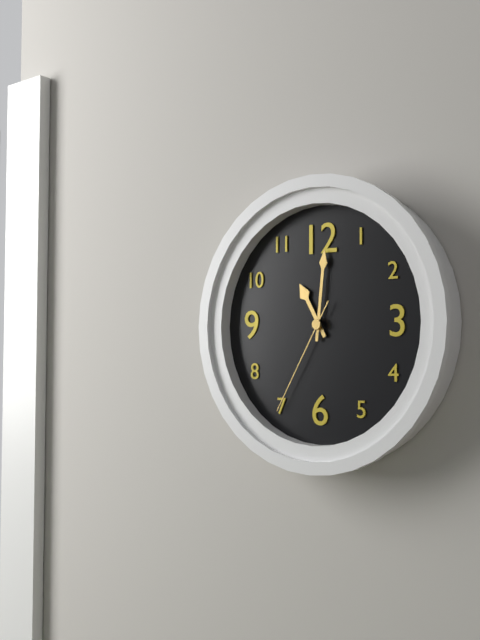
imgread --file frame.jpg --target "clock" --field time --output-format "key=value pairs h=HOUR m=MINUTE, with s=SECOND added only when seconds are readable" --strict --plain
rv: h=11 m=1 s=35
